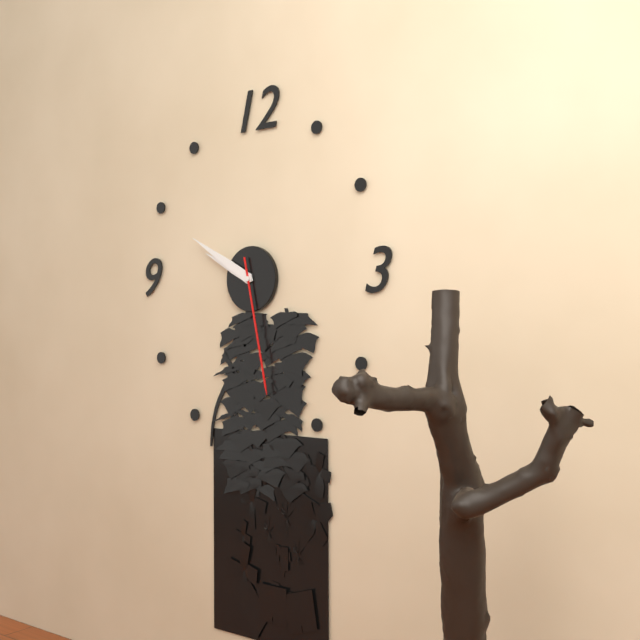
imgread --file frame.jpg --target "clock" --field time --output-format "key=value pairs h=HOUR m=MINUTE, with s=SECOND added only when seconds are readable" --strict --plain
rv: h=9 m=50 s=28
